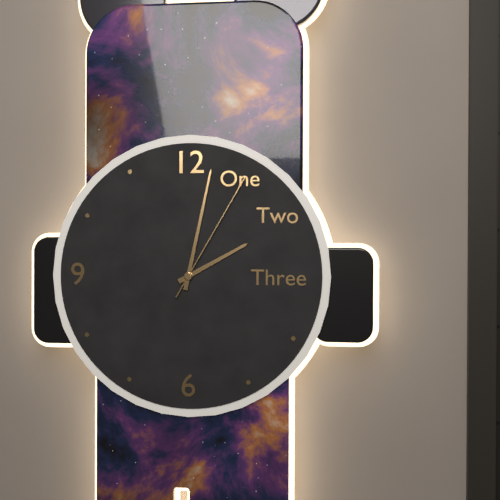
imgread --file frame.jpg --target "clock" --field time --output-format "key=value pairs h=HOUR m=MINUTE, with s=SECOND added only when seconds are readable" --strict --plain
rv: h=2 m=2 s=5
